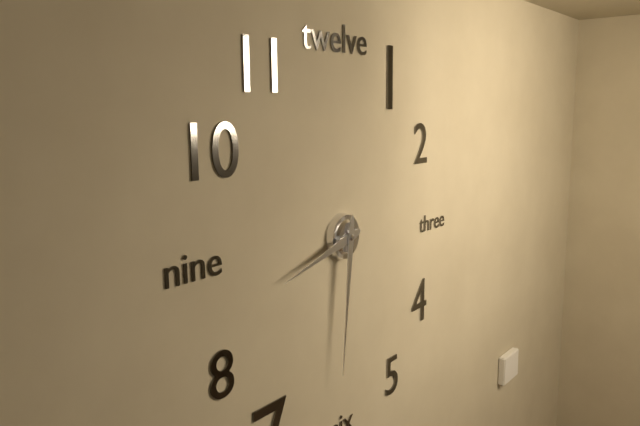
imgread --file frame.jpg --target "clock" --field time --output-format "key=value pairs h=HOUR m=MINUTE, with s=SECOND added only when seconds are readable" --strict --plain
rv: h=8 m=31
